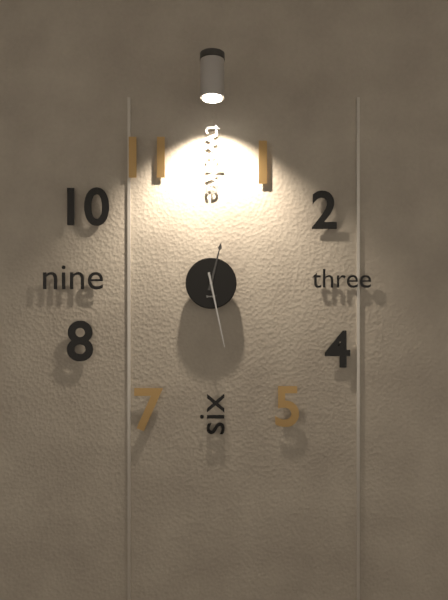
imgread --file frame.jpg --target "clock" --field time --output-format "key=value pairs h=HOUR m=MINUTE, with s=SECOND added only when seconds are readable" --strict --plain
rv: h=12 m=28
